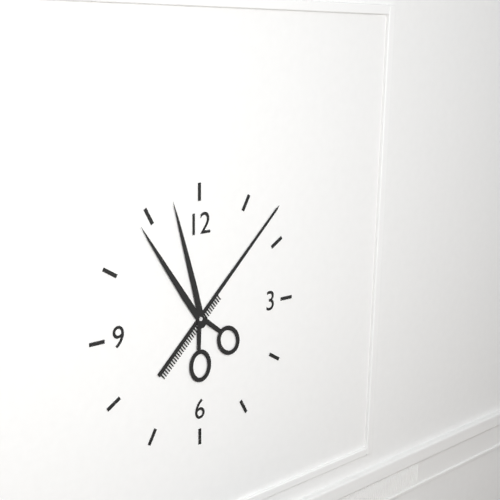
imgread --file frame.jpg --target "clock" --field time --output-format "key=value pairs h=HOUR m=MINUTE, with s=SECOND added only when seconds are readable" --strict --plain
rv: h=11 m=8
